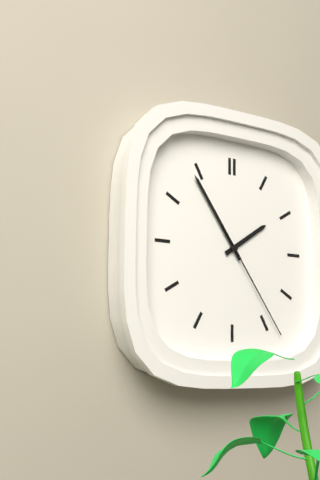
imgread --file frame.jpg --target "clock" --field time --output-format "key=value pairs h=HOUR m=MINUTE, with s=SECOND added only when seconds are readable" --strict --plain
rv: h=1 m=54 s=24
